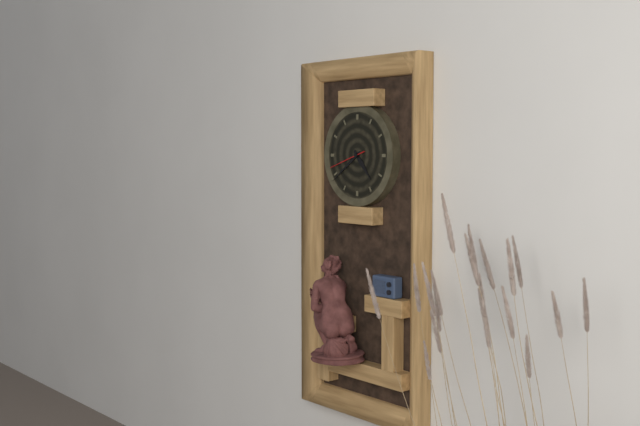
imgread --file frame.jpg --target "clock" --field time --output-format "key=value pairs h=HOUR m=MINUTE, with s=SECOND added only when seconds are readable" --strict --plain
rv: h=4 m=39
